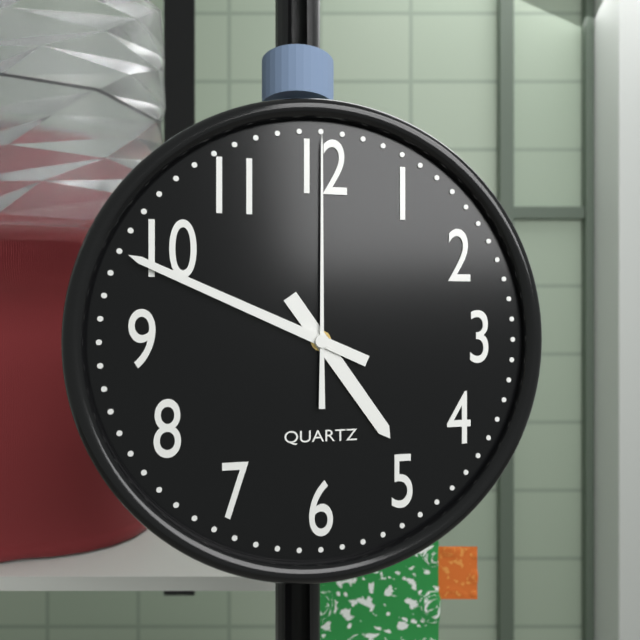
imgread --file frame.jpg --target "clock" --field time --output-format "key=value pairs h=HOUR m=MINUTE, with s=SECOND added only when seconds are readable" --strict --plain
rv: h=4 m=49 s=0
